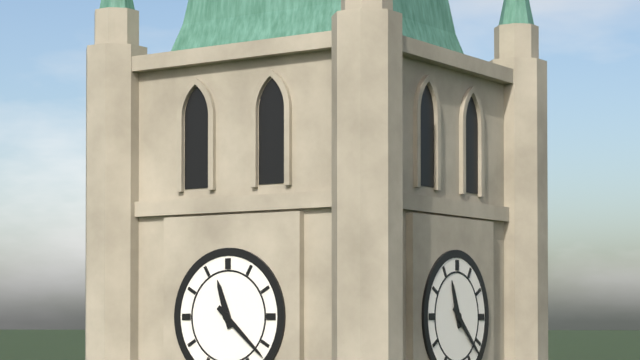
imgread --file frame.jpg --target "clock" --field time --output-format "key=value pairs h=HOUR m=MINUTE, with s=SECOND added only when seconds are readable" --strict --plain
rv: h=11 m=22
